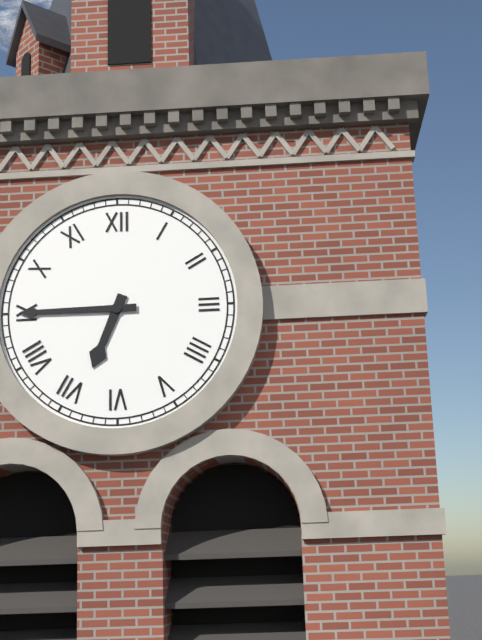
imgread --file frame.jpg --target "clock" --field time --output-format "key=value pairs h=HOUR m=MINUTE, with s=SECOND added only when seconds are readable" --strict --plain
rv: h=6 m=45
